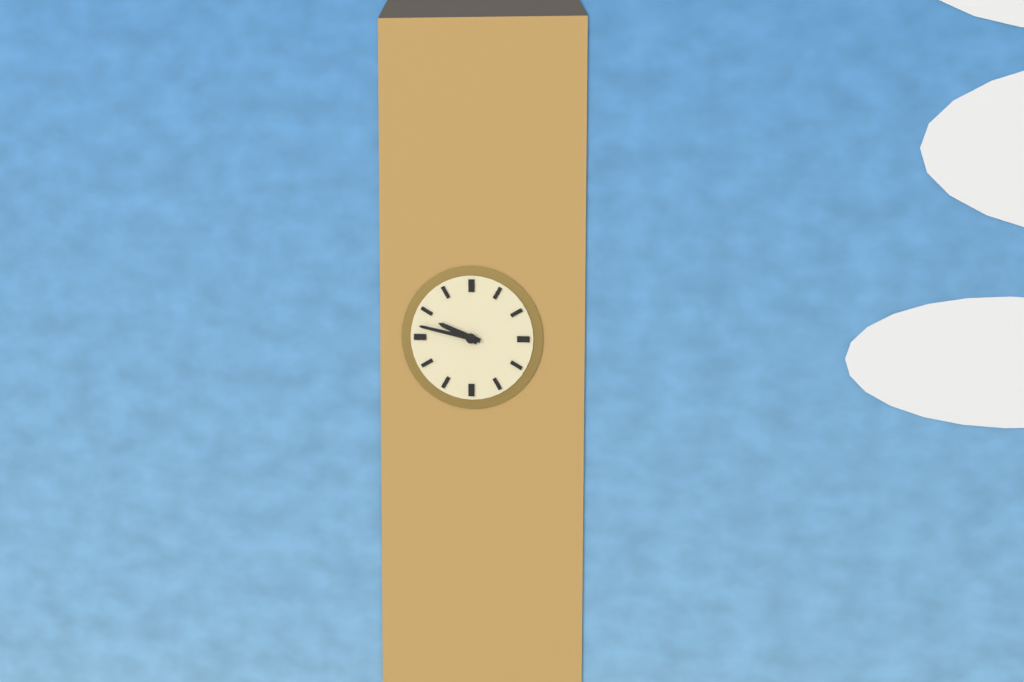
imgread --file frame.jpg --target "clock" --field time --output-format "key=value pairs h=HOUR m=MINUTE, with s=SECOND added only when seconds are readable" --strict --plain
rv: h=9 m=47
